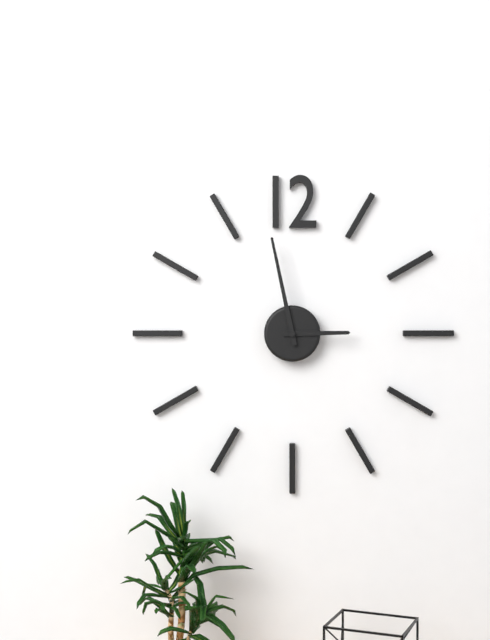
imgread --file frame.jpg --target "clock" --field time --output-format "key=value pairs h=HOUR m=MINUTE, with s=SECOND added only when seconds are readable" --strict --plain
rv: h=2 m=58
